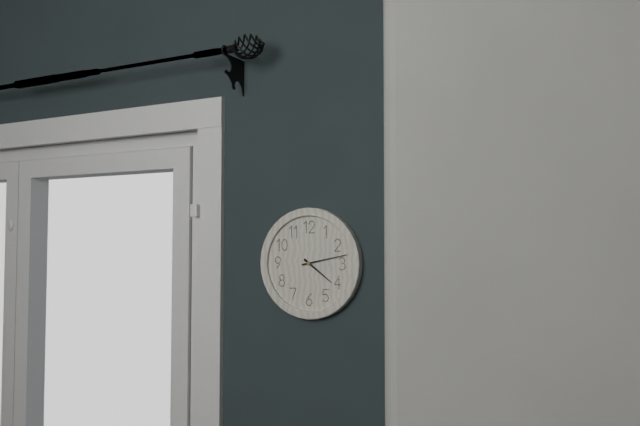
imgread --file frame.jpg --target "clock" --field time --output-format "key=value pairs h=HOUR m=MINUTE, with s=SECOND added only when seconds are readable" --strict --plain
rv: h=4 m=13
